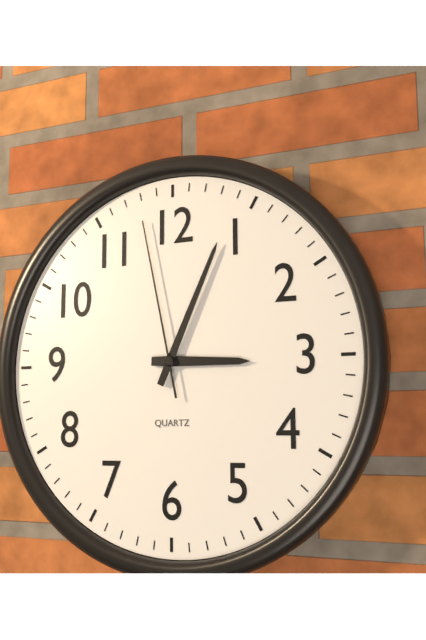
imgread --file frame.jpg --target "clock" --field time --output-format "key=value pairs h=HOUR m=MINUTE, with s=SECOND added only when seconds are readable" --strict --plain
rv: h=3 m=4 s=58
